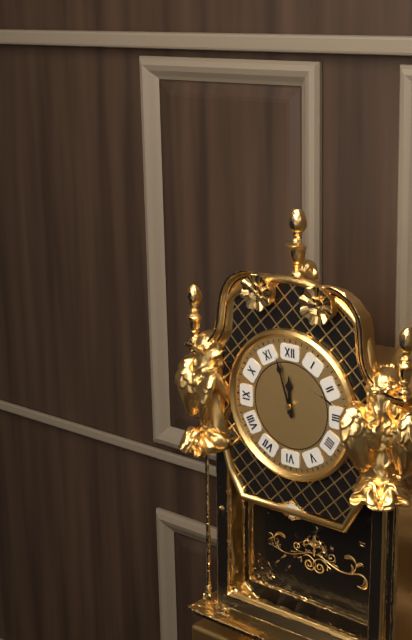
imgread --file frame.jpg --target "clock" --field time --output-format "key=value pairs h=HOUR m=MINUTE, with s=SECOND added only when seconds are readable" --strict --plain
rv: h=11 m=57
